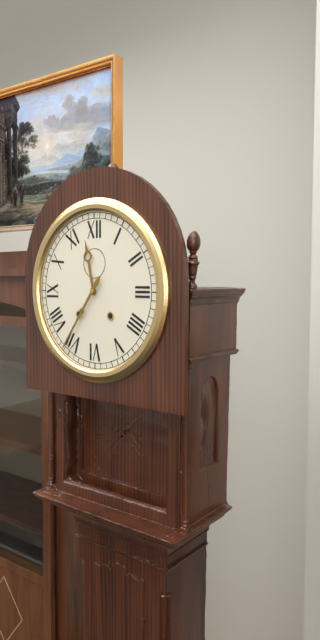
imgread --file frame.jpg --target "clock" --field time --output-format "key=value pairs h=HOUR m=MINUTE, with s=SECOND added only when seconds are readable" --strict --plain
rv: h=11 m=36
